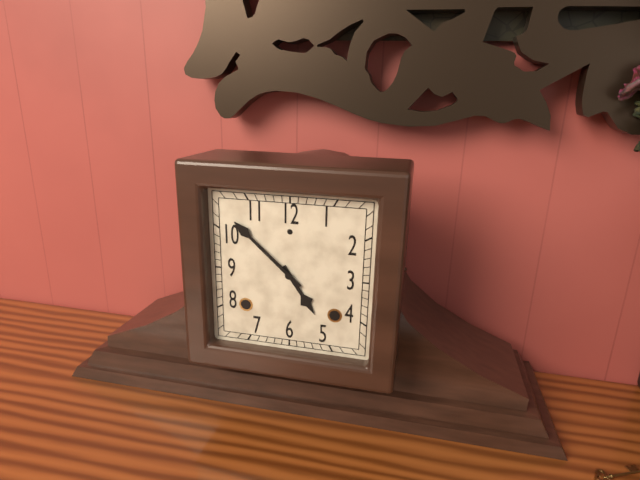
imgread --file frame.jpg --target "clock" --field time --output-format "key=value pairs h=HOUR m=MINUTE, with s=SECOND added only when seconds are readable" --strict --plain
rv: h=4 m=52
